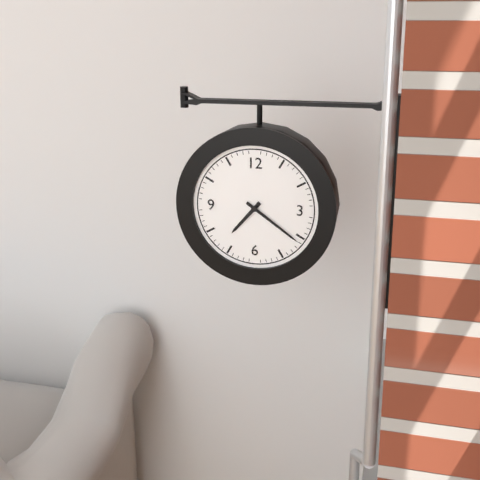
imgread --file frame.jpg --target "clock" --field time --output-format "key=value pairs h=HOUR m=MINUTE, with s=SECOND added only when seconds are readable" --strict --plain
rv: h=7 m=21
